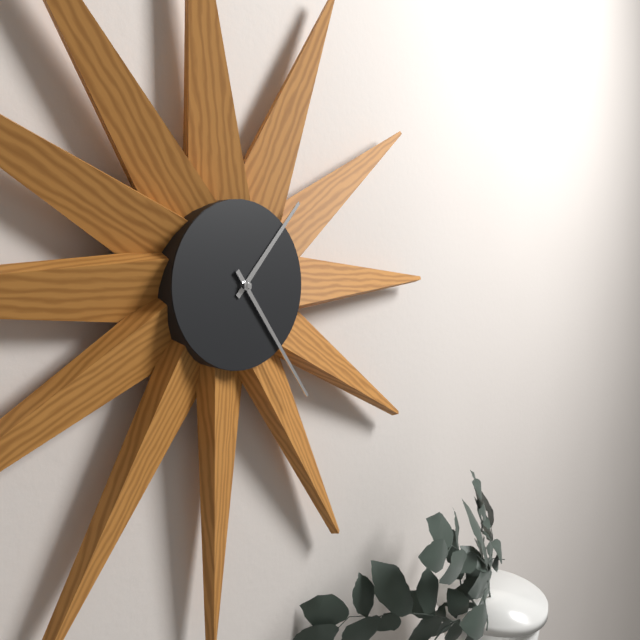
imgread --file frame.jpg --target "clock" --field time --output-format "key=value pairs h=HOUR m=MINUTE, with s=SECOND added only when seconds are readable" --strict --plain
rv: h=1 m=24
